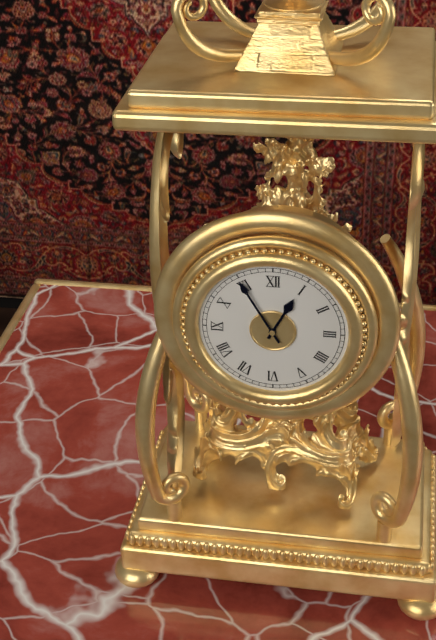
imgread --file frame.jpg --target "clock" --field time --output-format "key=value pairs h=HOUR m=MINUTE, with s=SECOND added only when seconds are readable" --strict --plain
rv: h=12 m=55
